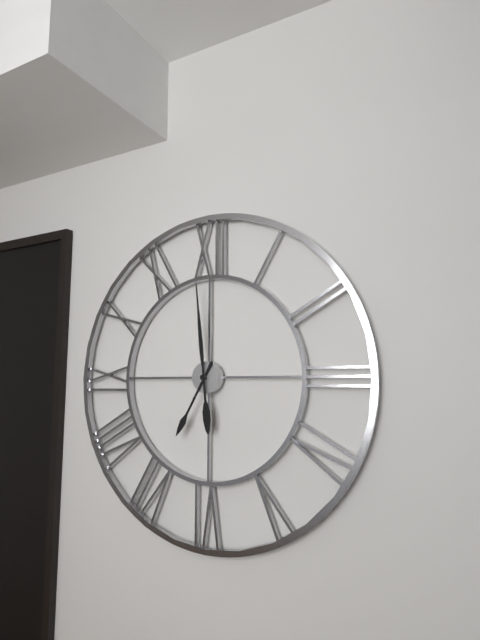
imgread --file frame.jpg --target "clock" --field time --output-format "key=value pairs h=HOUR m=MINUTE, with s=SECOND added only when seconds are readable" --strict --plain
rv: h=6 m=59
